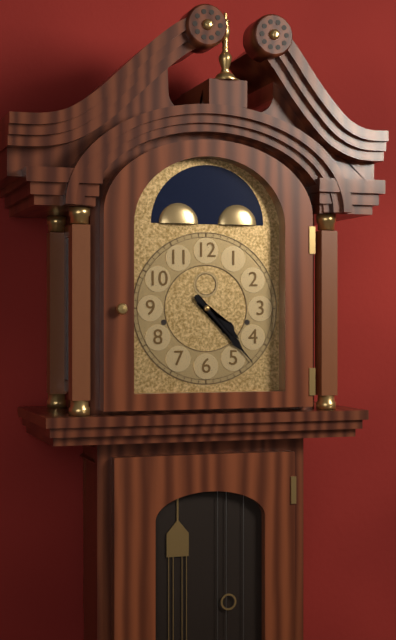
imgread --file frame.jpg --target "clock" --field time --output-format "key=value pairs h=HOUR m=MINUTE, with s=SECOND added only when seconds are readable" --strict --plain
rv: h=4 m=23
